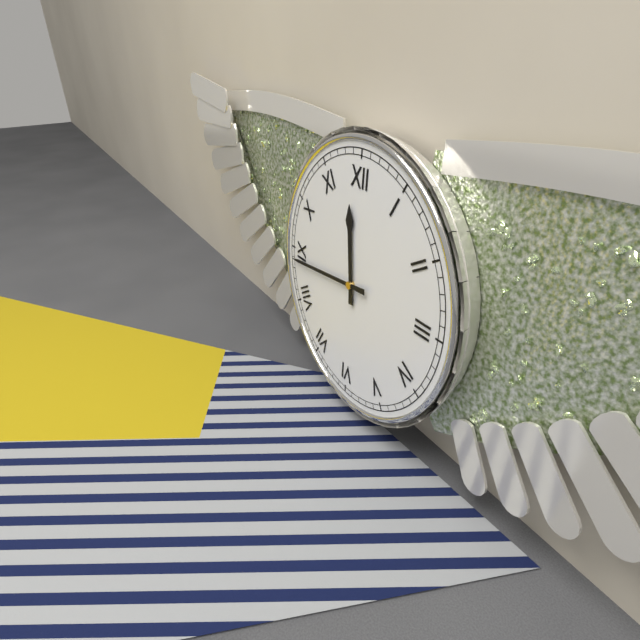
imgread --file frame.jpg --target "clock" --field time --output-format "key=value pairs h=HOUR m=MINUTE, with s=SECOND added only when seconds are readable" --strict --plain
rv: h=11 m=44
